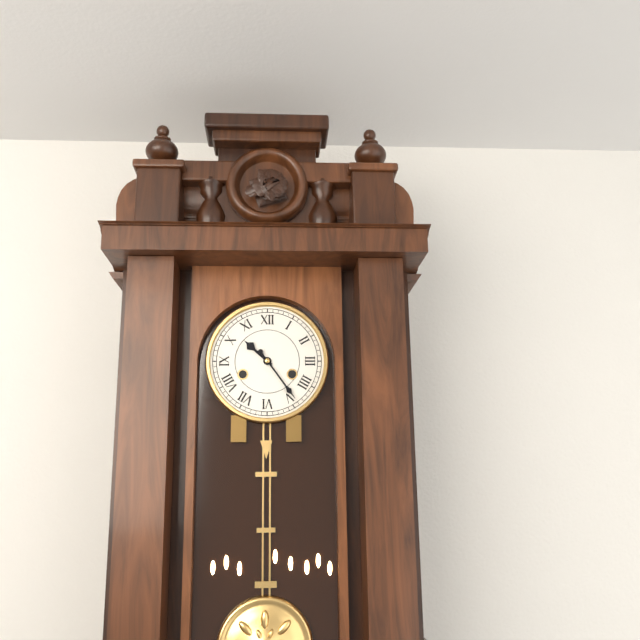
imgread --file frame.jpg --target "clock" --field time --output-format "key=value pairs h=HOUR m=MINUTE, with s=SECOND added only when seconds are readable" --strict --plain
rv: h=10 m=24
